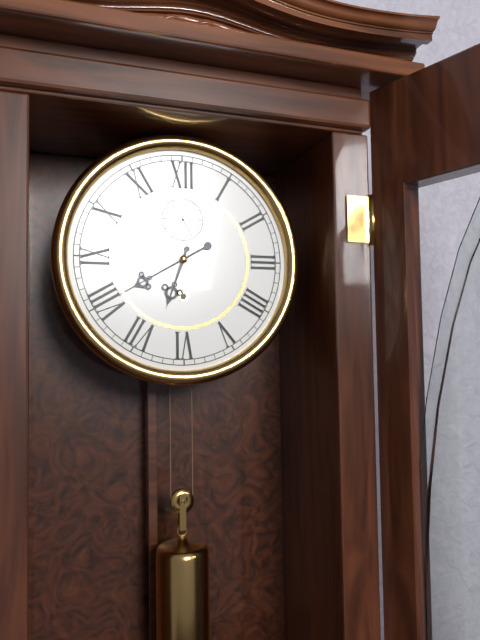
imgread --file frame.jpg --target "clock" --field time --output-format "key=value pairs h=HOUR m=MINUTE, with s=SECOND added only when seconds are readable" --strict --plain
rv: h=6 m=40
